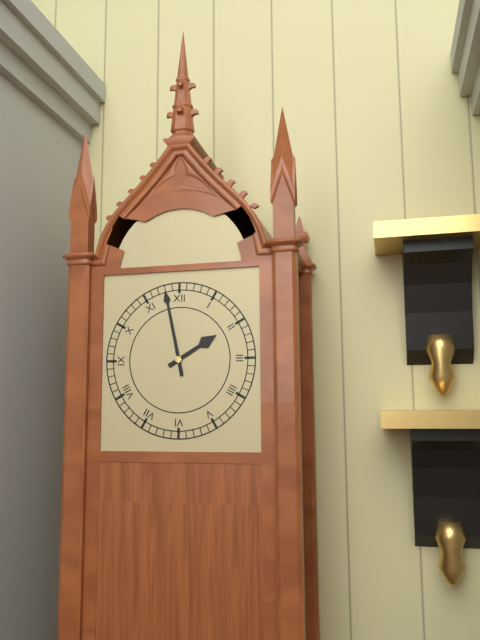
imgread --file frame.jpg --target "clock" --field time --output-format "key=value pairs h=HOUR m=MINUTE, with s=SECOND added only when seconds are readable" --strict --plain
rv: h=1 m=58
